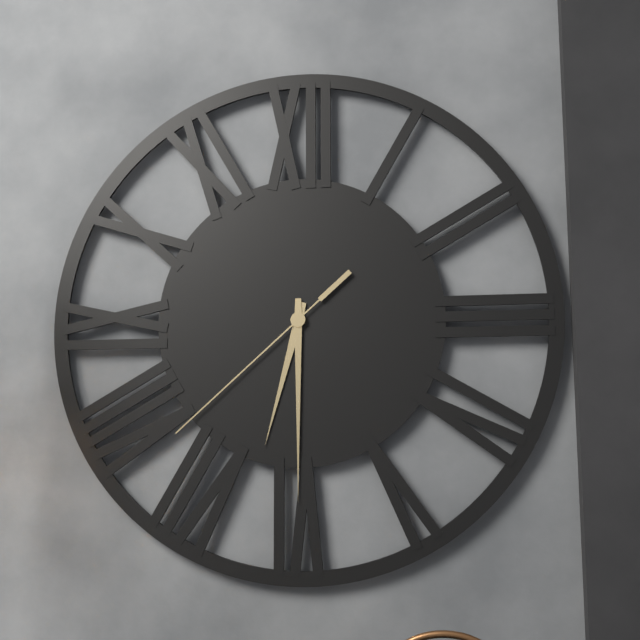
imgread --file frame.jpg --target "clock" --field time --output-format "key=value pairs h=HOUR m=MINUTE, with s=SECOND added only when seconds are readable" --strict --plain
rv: h=6 m=30 s=38
